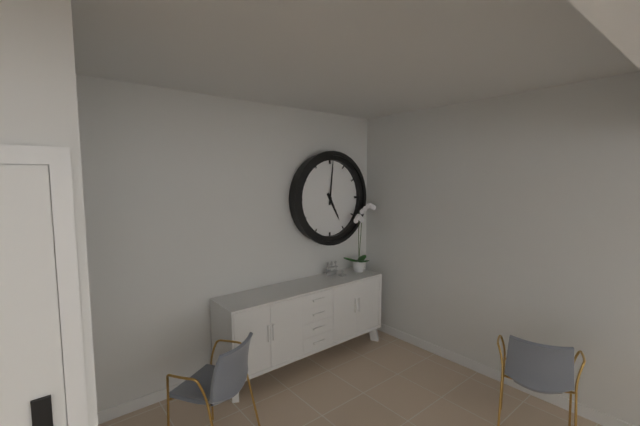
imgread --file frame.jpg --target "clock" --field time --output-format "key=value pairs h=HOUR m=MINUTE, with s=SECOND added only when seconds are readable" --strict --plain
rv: h=5 m=1
